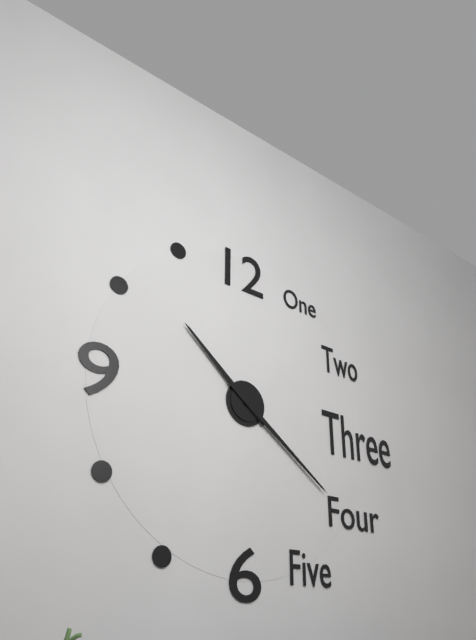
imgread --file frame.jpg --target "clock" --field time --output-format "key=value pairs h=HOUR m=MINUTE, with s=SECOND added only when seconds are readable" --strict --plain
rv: h=10 m=21
